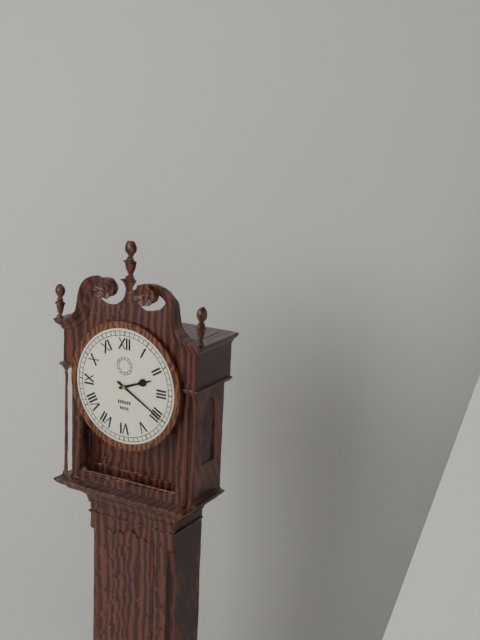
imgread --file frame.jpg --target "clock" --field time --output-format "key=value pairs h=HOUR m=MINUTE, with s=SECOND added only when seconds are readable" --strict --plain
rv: h=2 m=20
